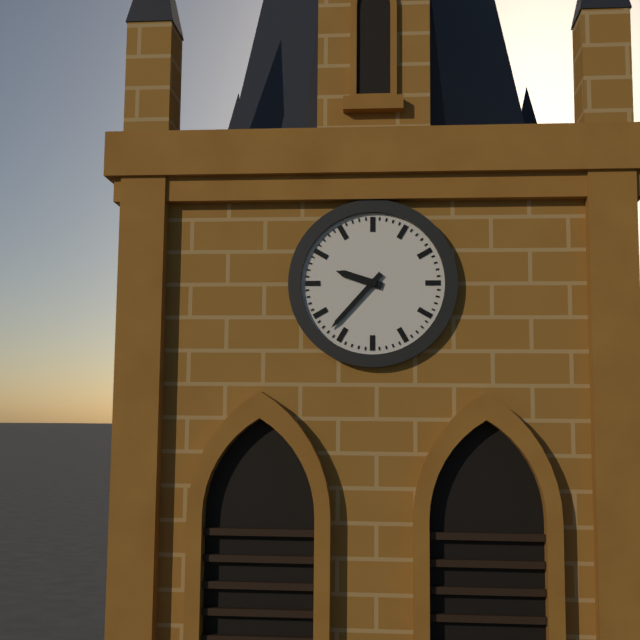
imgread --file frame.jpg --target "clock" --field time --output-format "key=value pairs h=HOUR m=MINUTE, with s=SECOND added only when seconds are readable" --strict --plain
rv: h=9 m=37
